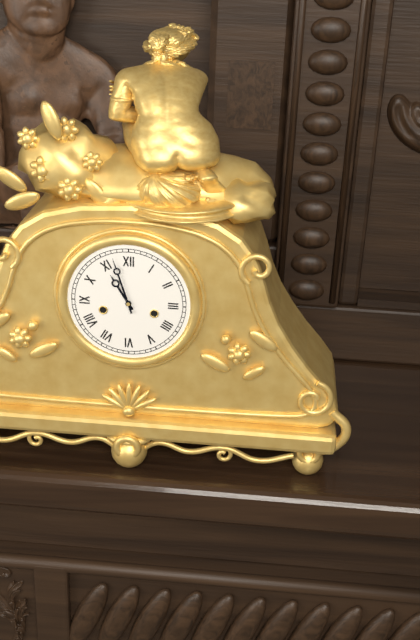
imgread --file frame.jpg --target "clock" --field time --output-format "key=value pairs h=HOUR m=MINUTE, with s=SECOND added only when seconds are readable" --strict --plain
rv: h=10 m=57
